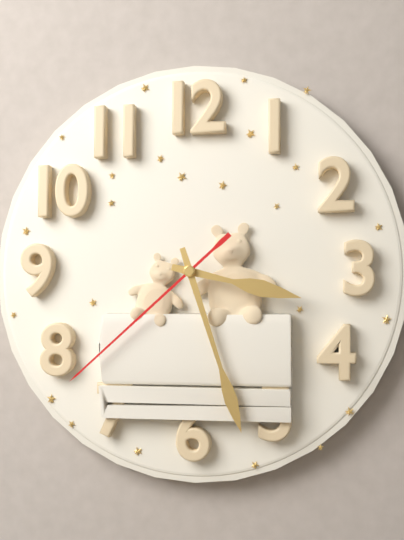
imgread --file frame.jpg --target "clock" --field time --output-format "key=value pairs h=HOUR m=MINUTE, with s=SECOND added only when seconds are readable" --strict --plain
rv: h=3 m=27 s=38
